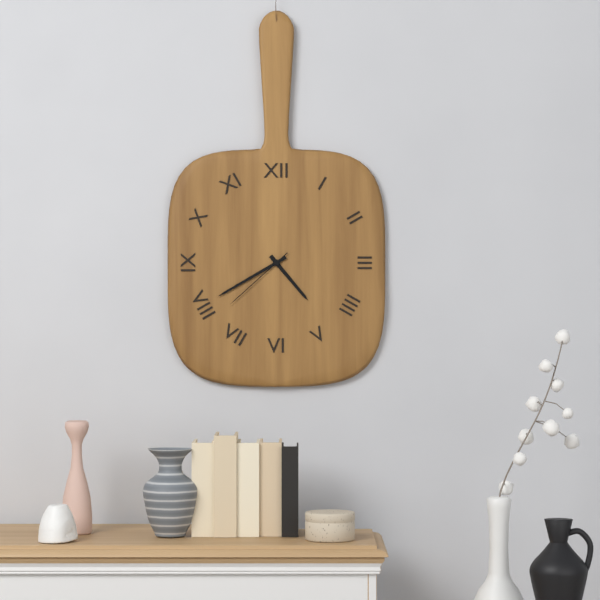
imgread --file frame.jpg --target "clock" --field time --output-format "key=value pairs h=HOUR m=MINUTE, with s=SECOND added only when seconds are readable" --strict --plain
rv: h=4 m=40 s=38
